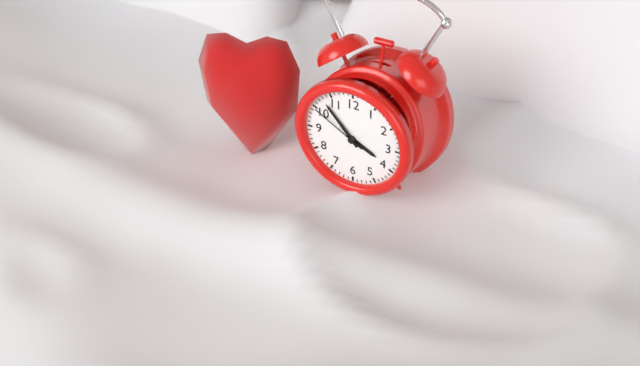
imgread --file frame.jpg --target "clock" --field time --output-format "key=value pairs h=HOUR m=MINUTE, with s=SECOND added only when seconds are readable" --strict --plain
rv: h=3 m=53 s=50
